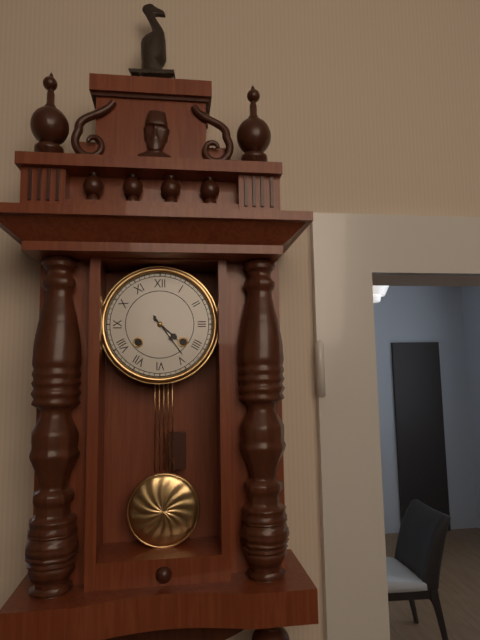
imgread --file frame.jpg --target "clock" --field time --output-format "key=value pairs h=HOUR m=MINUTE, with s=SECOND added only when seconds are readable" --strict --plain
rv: h=4 m=24
